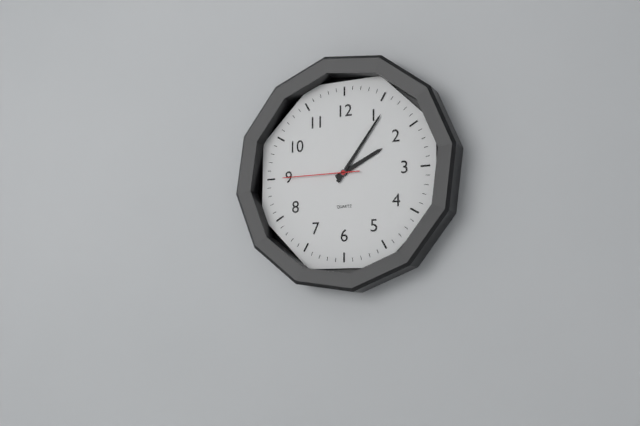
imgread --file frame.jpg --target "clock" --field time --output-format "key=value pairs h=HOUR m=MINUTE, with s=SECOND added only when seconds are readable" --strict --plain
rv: h=2 m=6 s=45
